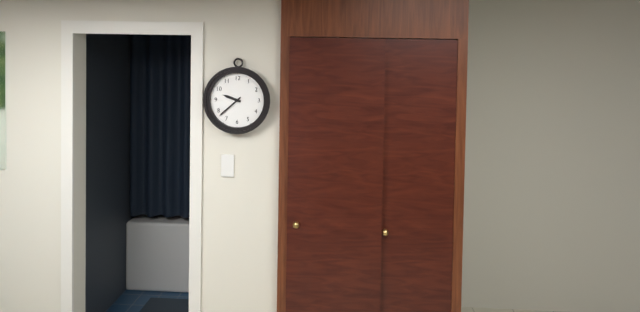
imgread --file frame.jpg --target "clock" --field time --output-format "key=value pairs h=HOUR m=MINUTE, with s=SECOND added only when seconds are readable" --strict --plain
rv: h=9 m=38
